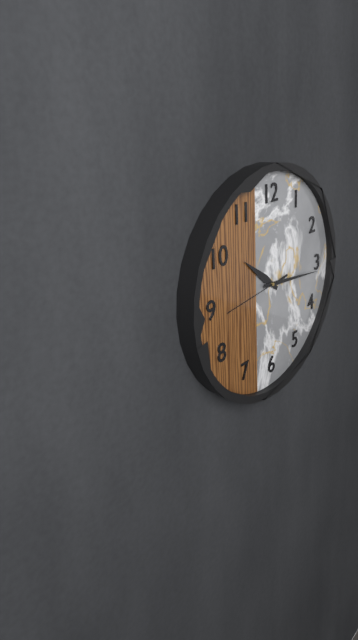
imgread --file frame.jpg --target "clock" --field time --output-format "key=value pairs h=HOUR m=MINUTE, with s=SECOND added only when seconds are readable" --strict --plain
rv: h=10 m=16 s=44
